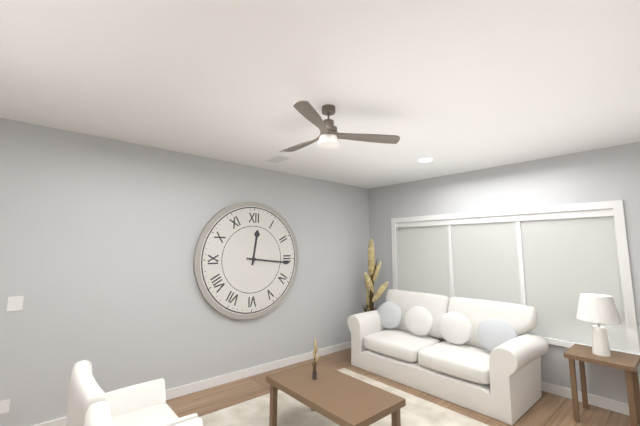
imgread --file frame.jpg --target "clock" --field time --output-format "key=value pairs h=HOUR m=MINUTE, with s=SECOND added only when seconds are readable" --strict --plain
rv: h=12 m=16
